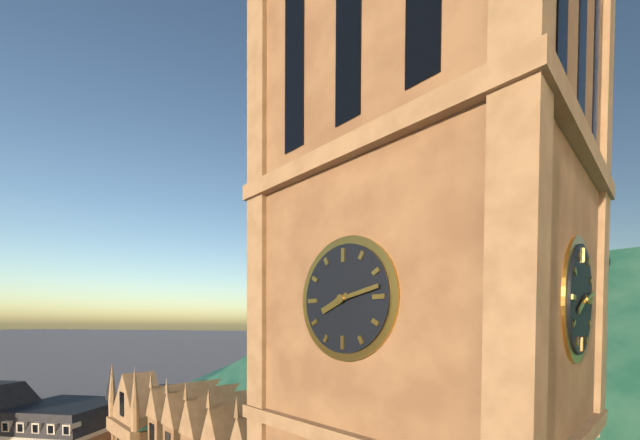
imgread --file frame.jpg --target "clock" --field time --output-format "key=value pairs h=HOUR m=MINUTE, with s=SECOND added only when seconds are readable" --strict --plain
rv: h=8 m=13
